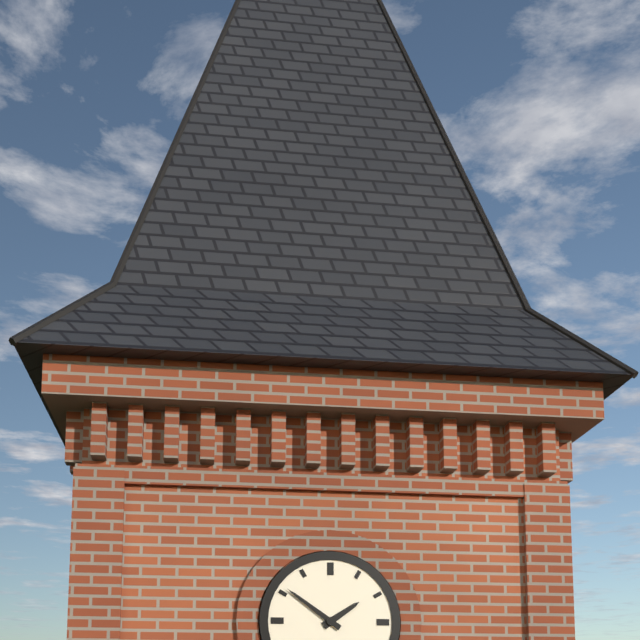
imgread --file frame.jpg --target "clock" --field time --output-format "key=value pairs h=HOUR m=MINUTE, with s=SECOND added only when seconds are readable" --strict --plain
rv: h=1 m=51
